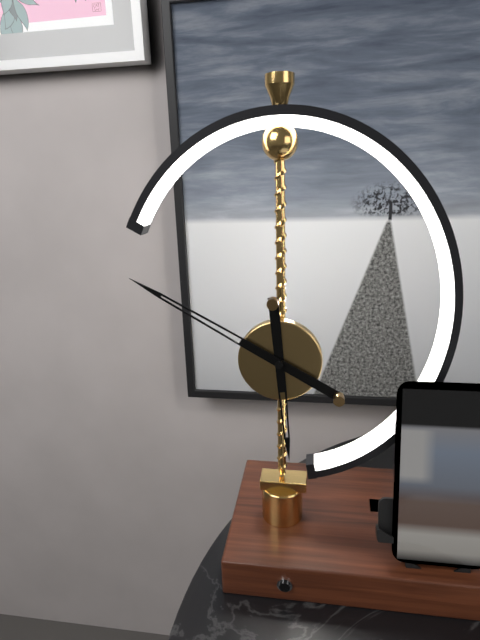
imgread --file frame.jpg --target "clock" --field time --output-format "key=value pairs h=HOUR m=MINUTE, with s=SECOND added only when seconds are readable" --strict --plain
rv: h=5 m=50
